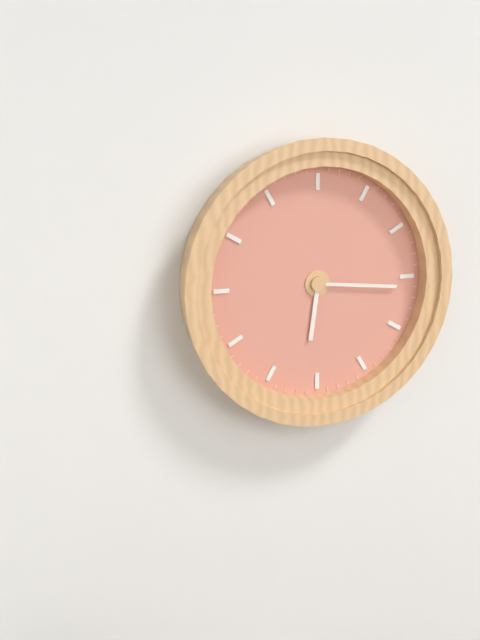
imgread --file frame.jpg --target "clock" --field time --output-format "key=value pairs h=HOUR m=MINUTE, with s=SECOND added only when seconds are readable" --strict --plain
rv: h=6 m=16
